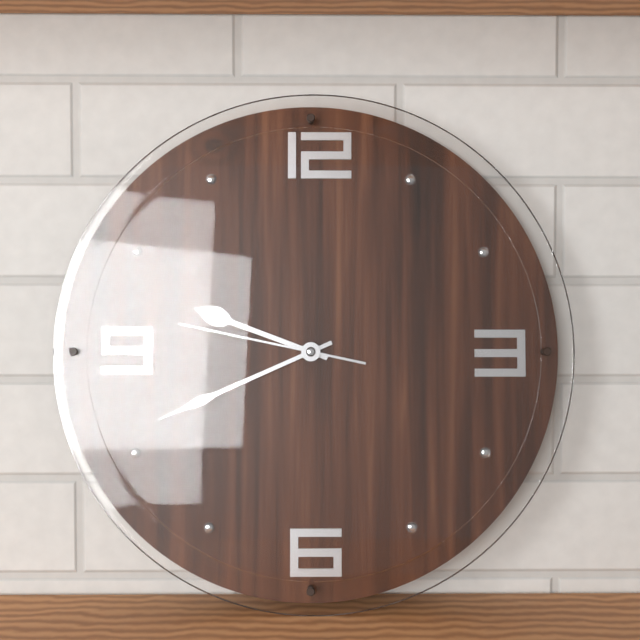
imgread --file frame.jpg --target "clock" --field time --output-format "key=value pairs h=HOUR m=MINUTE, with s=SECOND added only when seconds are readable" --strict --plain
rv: h=9 m=41 s=47
